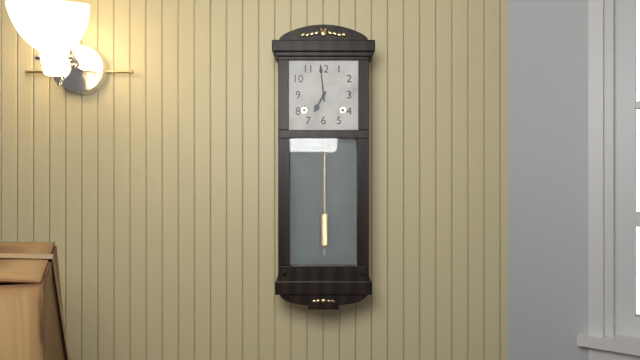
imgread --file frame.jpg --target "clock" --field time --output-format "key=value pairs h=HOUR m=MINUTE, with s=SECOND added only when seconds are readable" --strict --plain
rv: h=6 m=59
